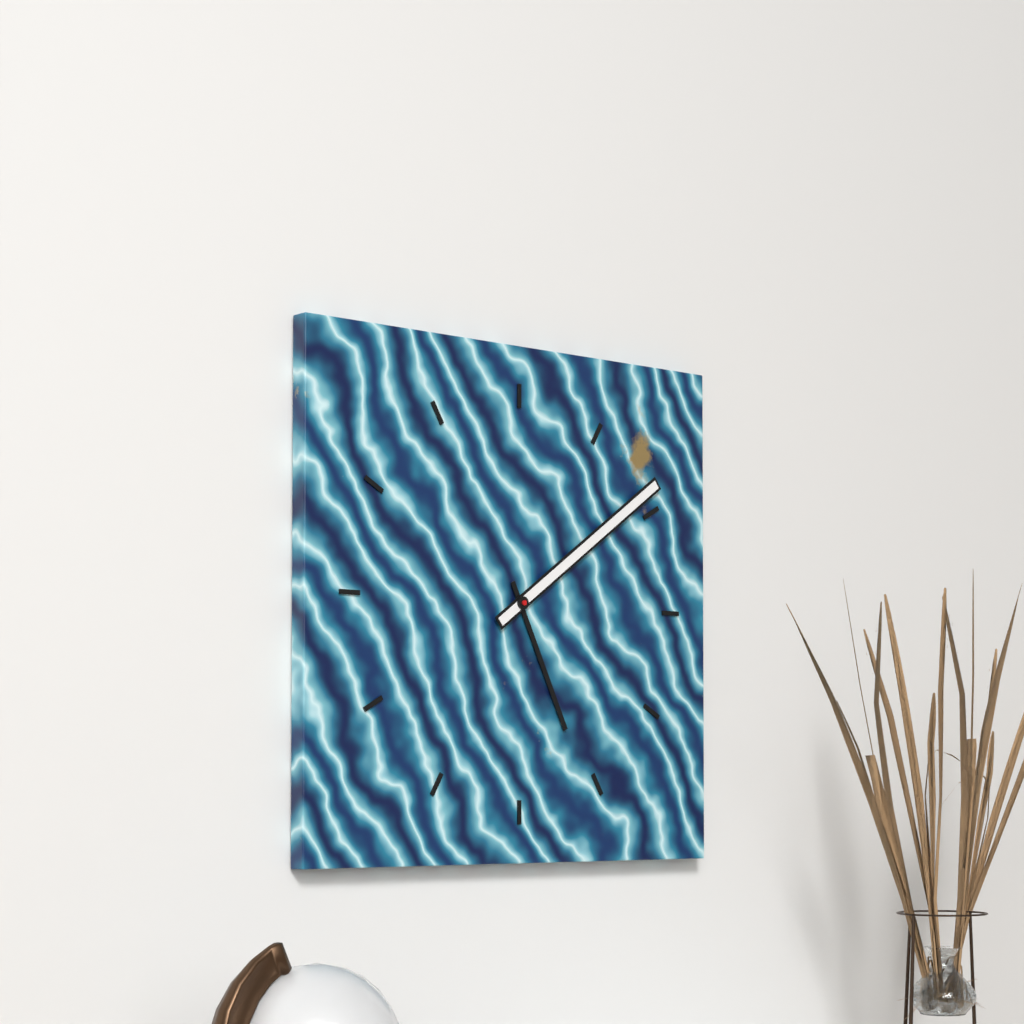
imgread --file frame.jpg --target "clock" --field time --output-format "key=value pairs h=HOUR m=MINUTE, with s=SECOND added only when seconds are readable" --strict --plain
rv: h=5 m=9
